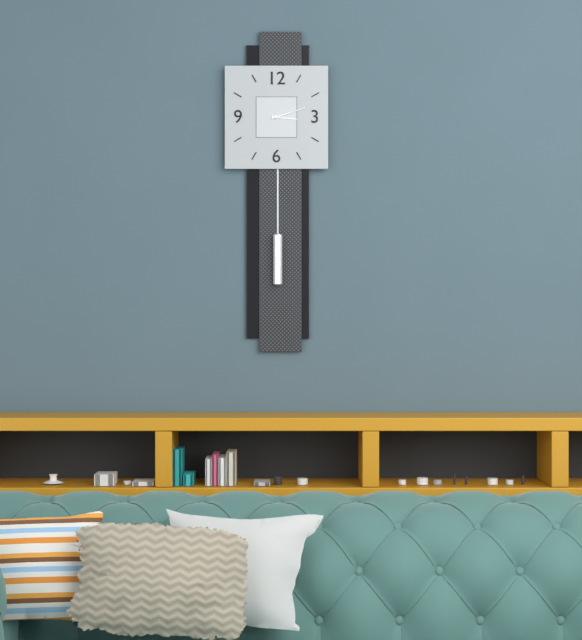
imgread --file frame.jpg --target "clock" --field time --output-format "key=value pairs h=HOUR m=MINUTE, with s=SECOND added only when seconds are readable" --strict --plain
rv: h=3 m=12
